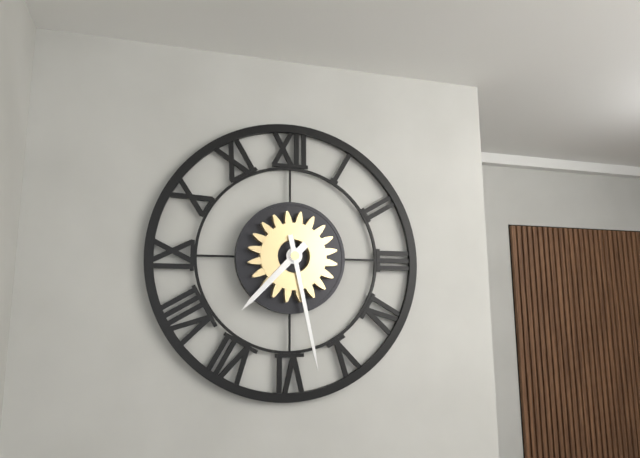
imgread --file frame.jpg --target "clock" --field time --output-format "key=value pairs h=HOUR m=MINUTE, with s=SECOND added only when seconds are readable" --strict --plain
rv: h=7 m=28
